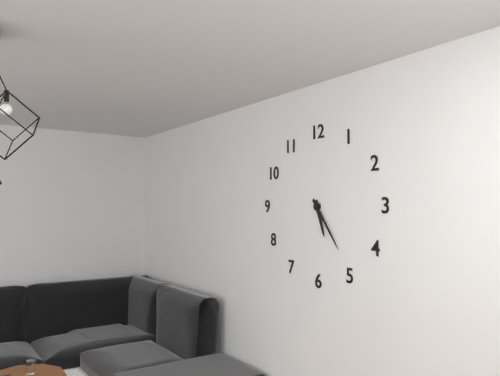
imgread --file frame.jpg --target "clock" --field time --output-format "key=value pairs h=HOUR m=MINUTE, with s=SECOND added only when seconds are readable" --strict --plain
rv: h=5 m=24
